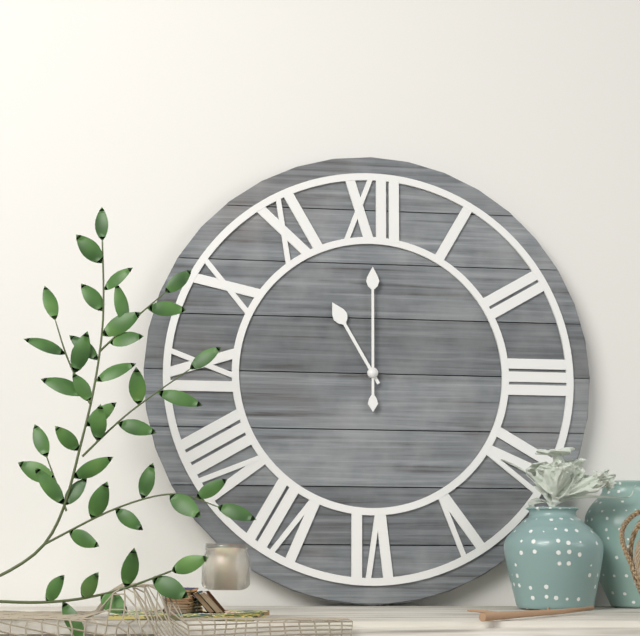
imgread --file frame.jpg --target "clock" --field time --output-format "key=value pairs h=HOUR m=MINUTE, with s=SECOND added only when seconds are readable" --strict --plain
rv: h=11 m=0
